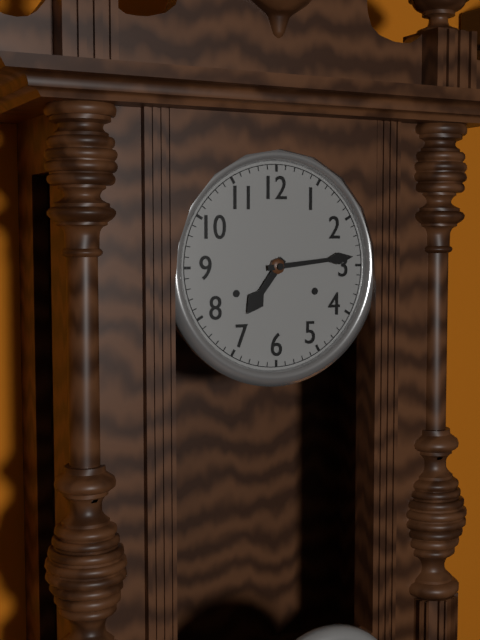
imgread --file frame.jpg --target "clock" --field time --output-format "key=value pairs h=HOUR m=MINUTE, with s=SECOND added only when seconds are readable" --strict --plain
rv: h=7 m=14
